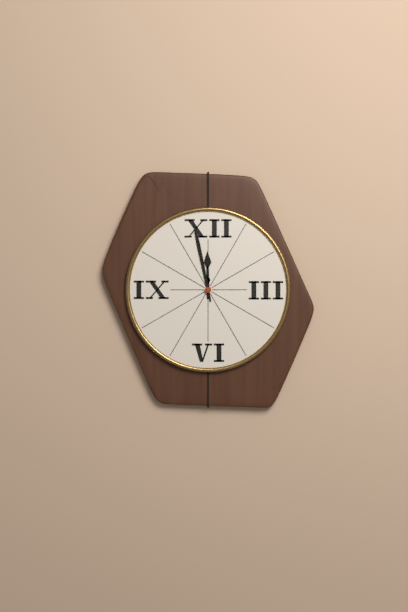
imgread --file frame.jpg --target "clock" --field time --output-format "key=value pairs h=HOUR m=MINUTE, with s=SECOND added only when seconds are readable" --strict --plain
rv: h=11 m=58
